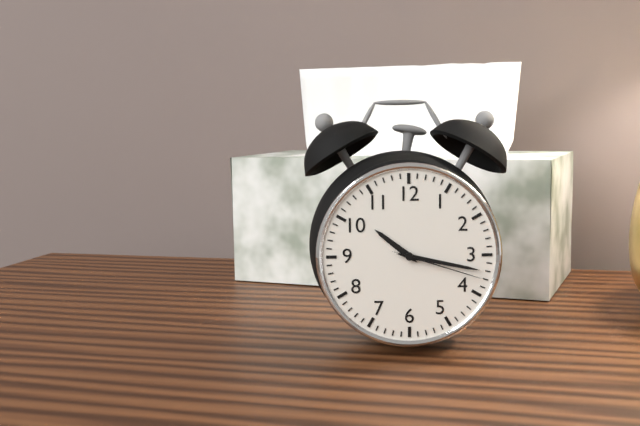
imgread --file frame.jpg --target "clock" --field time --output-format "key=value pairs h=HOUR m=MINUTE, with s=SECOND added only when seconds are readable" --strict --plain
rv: h=10 m=17 s=18
